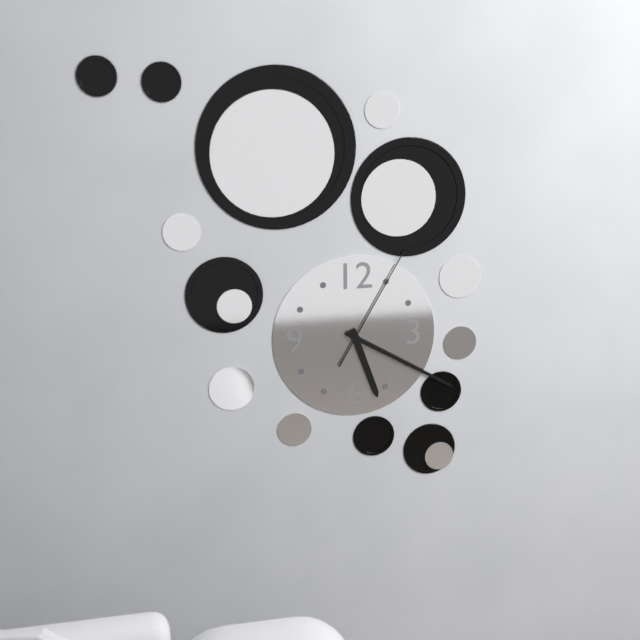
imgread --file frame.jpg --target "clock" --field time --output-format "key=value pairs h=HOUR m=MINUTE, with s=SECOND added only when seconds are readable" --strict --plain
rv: h=5 m=20 s=5
